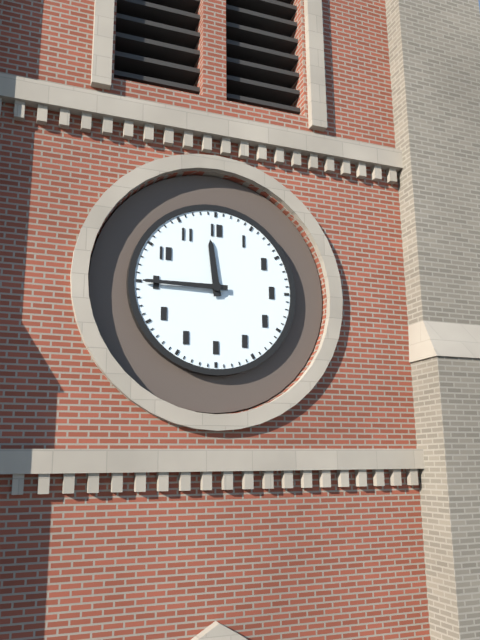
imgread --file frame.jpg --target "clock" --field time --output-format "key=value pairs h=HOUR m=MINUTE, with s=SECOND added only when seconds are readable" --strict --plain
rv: h=11 m=45
